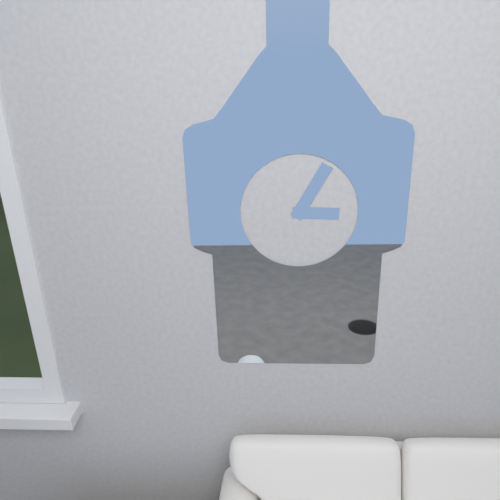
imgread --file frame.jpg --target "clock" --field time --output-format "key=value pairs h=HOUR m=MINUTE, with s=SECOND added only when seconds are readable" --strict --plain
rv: h=3 m=5
